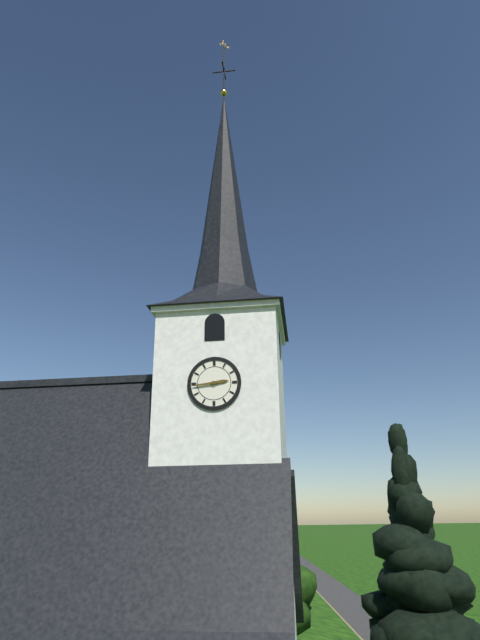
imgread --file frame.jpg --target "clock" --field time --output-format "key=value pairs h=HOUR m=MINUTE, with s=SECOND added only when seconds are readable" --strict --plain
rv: h=2 m=44
